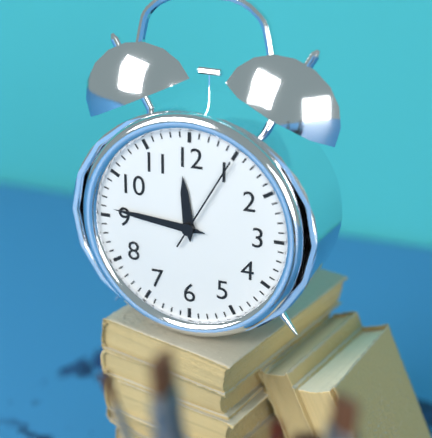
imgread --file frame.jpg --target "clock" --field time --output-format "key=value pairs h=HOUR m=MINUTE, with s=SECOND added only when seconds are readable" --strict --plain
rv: h=11 m=46 s=5
